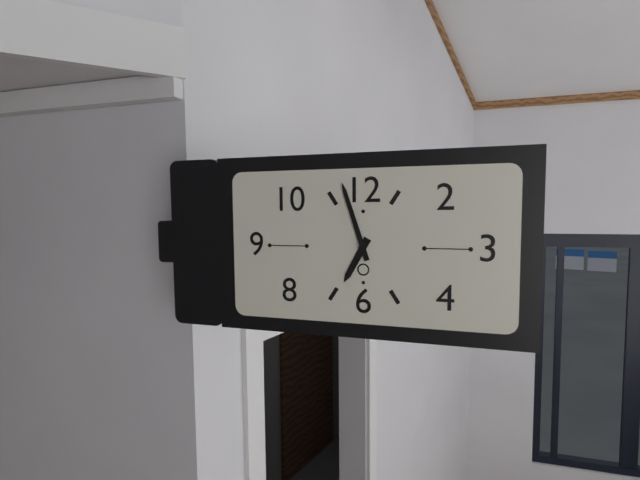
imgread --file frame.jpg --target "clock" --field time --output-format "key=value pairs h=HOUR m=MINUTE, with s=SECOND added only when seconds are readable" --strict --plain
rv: h=6 m=57
